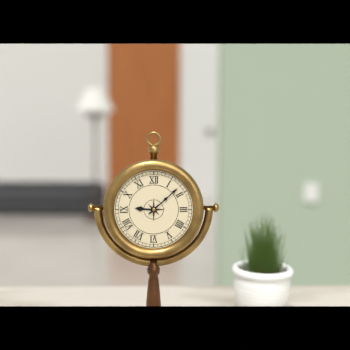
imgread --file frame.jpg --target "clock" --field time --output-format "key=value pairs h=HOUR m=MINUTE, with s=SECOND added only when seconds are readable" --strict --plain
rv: h=9 m=8
